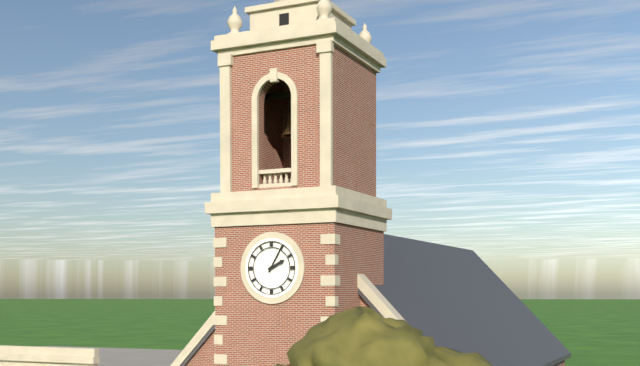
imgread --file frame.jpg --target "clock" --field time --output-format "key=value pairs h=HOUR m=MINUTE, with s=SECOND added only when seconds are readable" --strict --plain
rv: h=2 m=5
